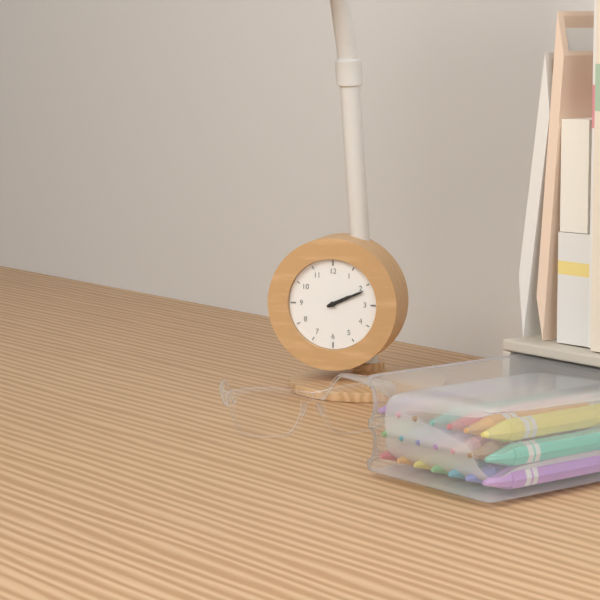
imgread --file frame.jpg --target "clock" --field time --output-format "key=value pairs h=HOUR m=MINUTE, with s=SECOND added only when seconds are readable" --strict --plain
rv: h=2 m=11
